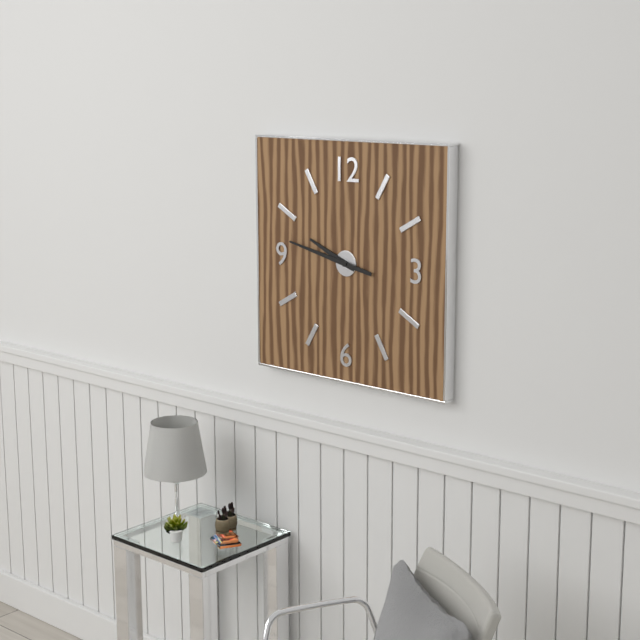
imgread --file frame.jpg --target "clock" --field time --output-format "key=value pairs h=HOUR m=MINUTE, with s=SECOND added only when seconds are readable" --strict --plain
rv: h=9 m=47
